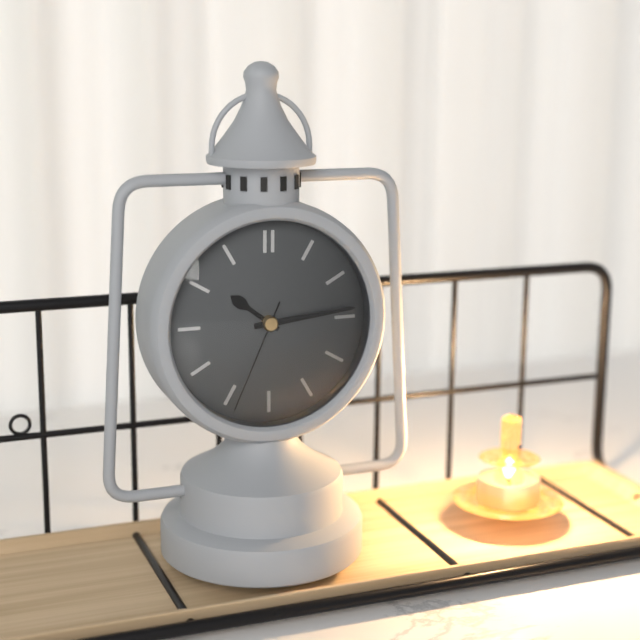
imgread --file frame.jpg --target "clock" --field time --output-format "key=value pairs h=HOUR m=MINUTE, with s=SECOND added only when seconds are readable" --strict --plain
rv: h=10 m=14 s=34
